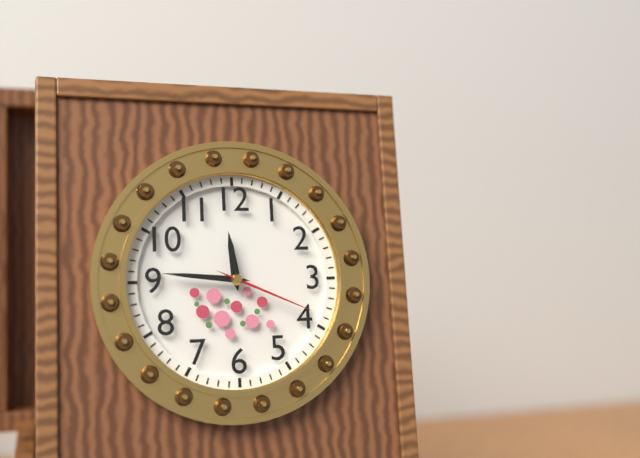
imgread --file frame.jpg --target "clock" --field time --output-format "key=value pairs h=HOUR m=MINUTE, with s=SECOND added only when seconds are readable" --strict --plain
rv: h=11 m=46 s=19
